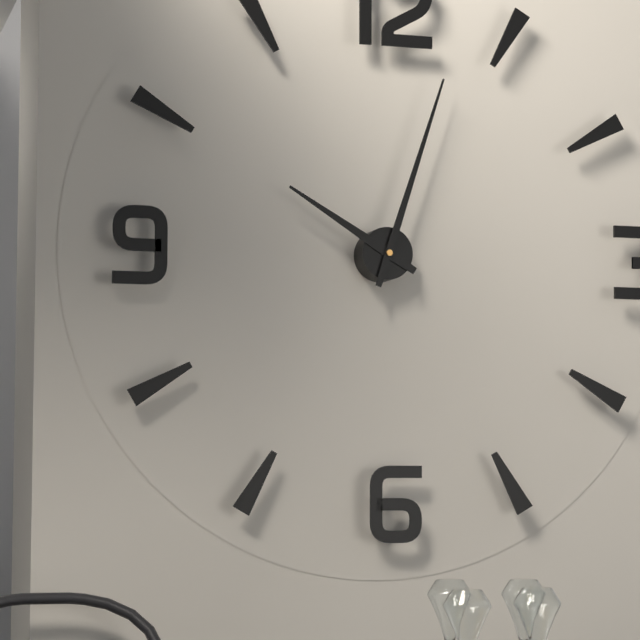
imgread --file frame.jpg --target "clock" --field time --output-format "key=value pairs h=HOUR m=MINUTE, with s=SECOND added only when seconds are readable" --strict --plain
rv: h=10 m=3
